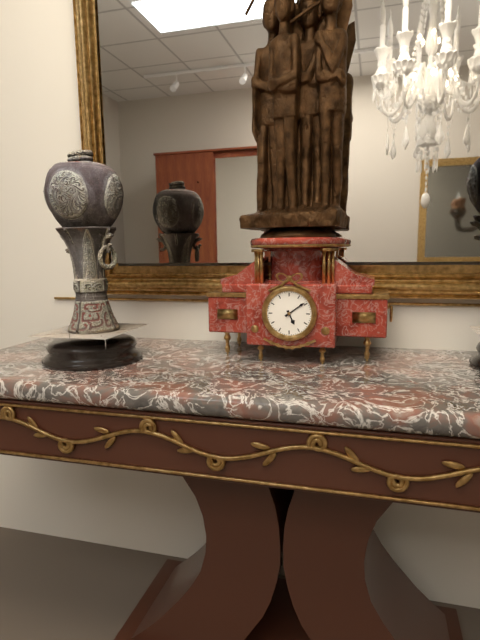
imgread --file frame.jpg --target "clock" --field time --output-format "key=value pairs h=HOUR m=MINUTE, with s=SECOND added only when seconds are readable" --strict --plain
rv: h=5 m=9
